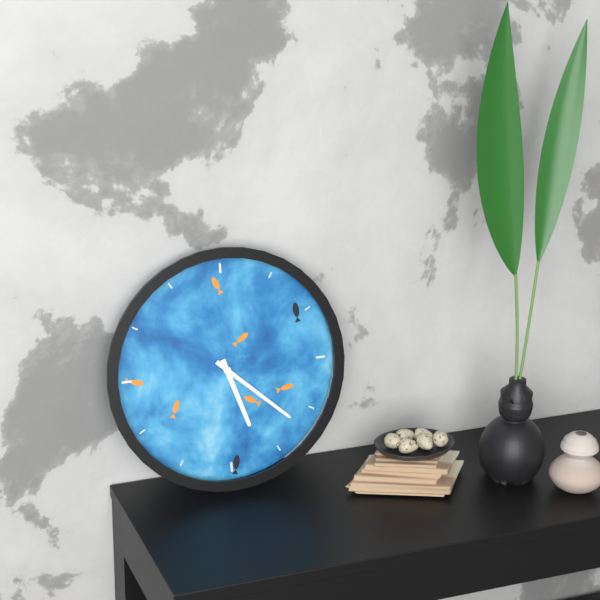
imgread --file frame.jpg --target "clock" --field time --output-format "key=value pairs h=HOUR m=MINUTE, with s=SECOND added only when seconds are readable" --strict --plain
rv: h=5 m=22
